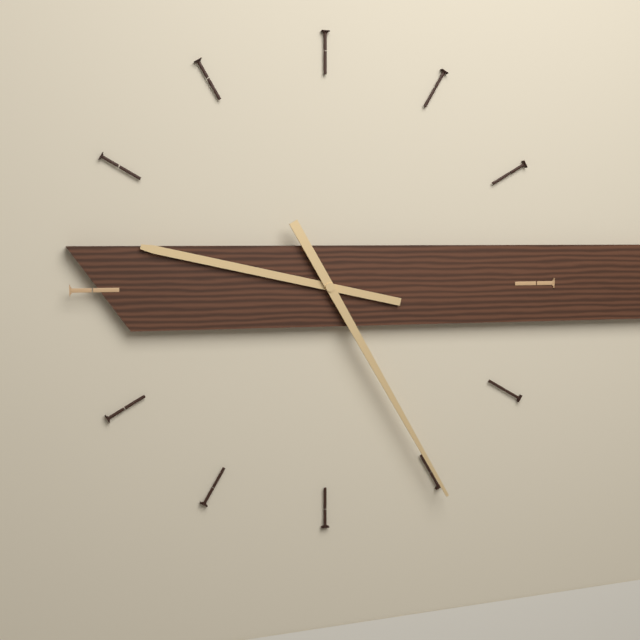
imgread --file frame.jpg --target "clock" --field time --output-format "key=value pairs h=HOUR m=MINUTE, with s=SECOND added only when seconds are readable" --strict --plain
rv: h=9 m=25
